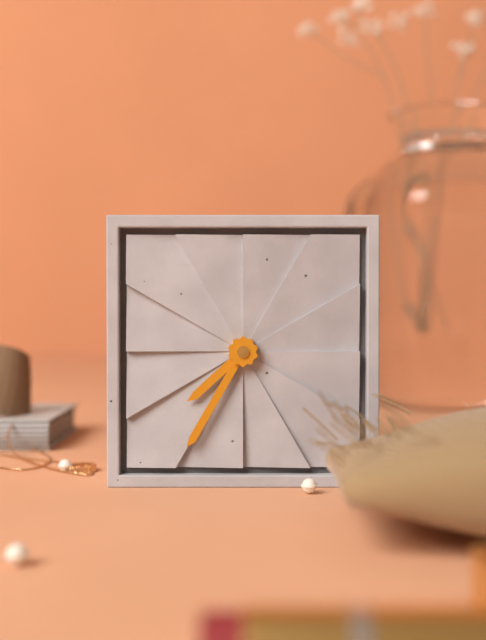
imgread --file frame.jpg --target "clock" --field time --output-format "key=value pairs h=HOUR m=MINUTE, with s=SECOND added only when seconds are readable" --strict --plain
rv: h=7 m=35
